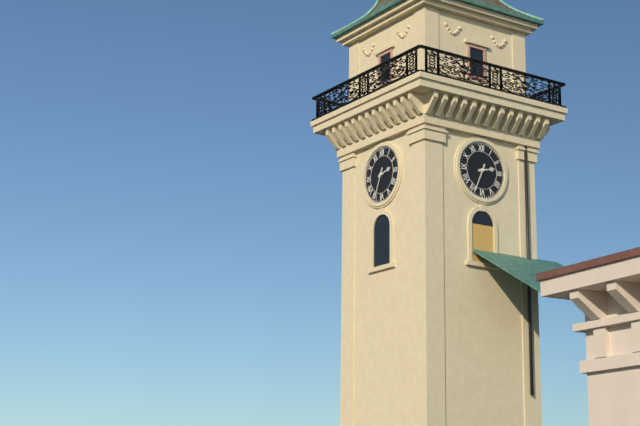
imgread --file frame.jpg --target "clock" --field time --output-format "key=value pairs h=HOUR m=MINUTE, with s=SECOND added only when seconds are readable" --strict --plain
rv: h=2 m=34
